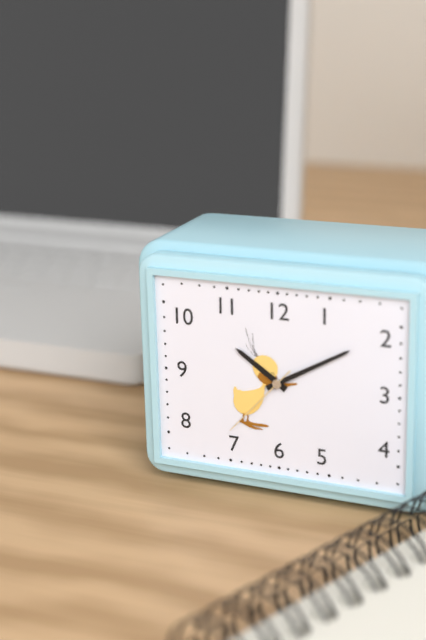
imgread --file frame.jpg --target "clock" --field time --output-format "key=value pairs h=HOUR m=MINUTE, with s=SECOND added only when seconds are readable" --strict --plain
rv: h=10 m=10 s=37
